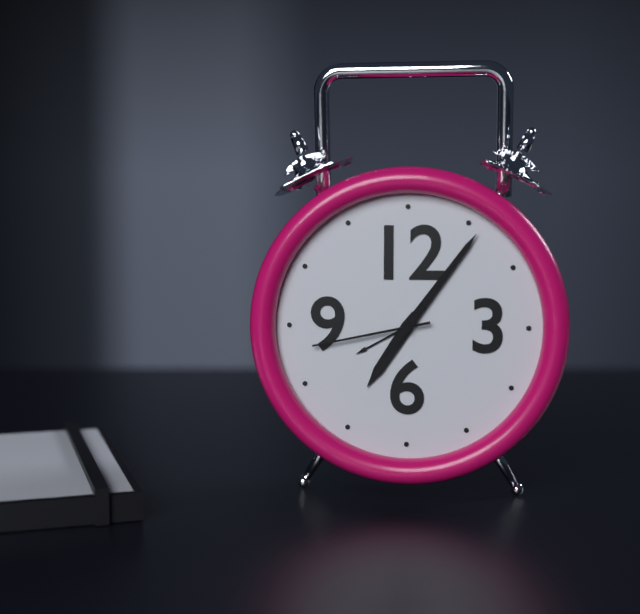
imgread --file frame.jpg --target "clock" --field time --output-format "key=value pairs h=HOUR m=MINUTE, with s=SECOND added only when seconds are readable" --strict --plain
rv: h=7 m=6 s=43
